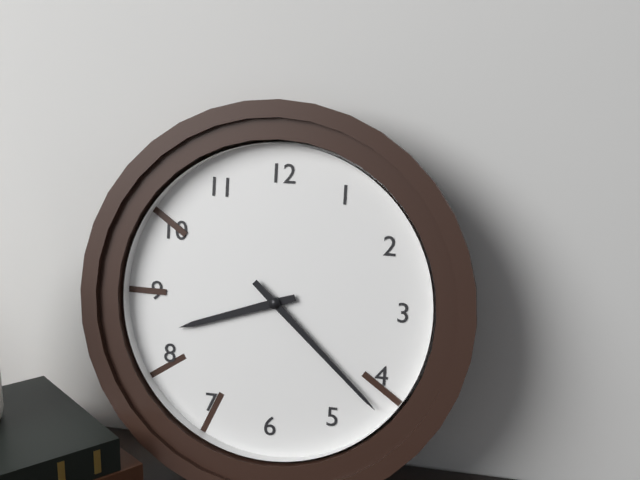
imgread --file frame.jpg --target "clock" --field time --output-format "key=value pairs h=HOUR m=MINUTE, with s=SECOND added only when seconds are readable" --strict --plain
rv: h=8 m=22
